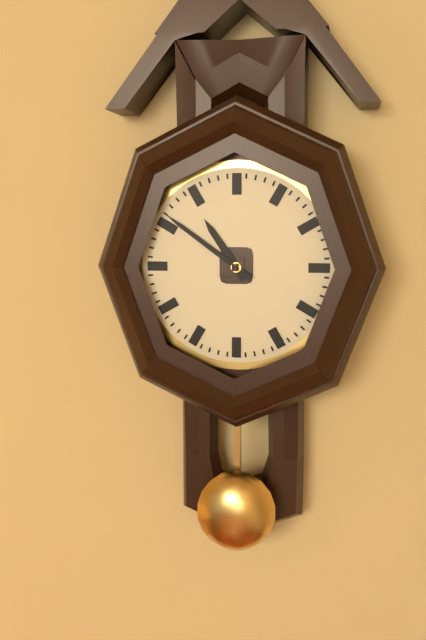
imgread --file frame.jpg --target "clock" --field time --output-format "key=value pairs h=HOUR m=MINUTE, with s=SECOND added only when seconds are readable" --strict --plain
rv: h=10 m=51
